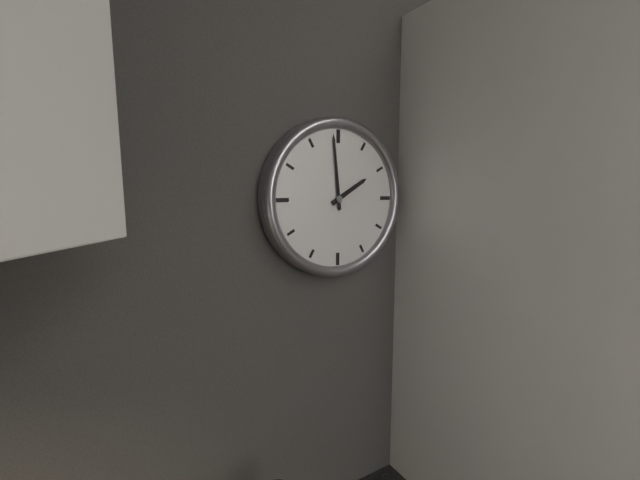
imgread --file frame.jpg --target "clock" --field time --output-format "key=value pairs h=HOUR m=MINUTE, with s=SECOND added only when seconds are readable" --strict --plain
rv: h=1 m=59
